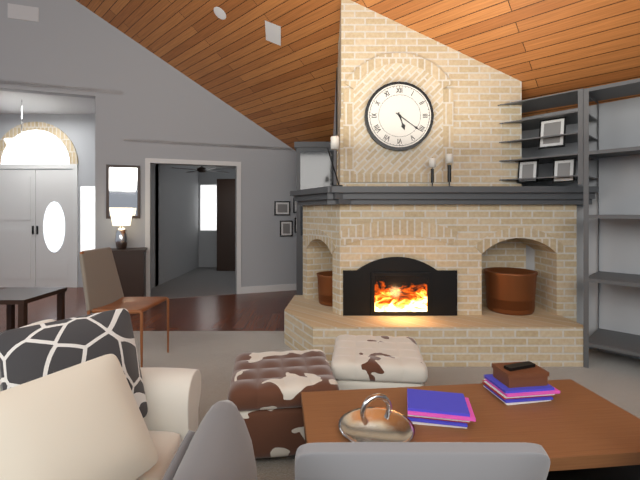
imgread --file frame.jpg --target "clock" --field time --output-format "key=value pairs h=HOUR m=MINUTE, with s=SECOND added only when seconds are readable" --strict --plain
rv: h=5 m=21
